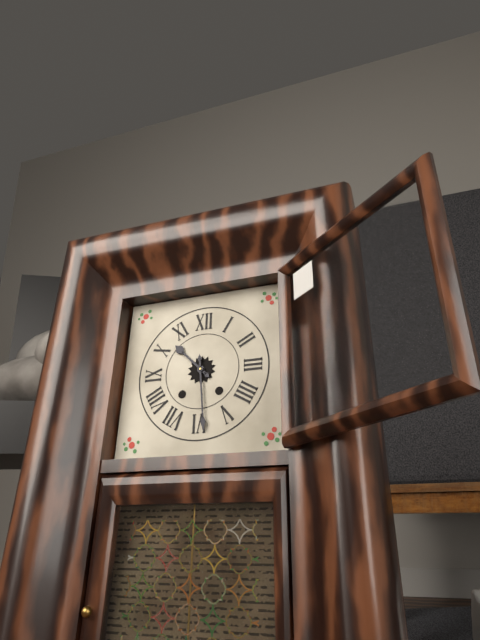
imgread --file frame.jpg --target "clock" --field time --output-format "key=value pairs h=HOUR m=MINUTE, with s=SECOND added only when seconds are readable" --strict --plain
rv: h=10 m=29
